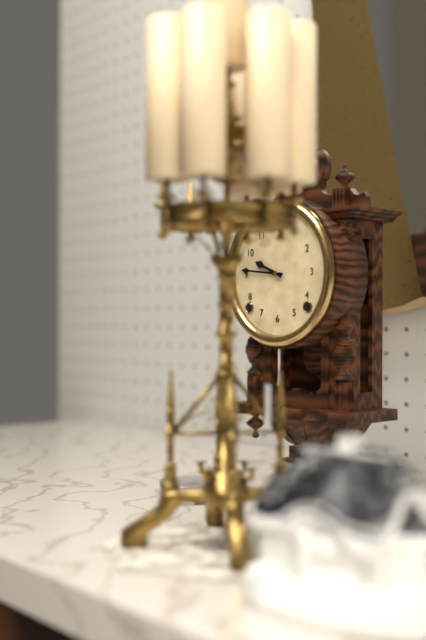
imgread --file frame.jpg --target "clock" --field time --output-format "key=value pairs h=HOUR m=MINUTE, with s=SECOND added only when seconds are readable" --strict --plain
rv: h=9 m=46
